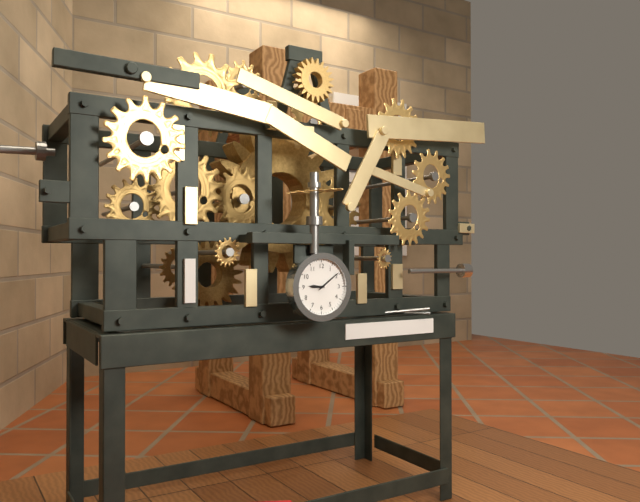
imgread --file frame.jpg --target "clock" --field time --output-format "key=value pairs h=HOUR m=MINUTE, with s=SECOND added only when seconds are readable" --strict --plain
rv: h=9 m=9
